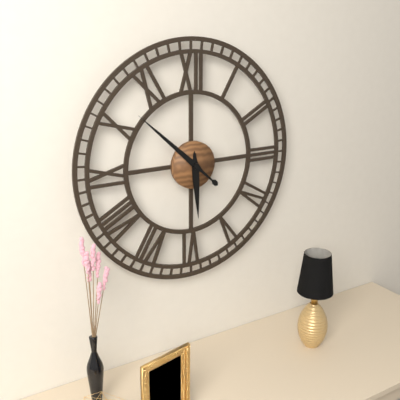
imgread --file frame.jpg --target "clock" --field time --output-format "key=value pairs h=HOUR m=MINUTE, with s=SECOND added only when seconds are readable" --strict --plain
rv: h=5 m=52
